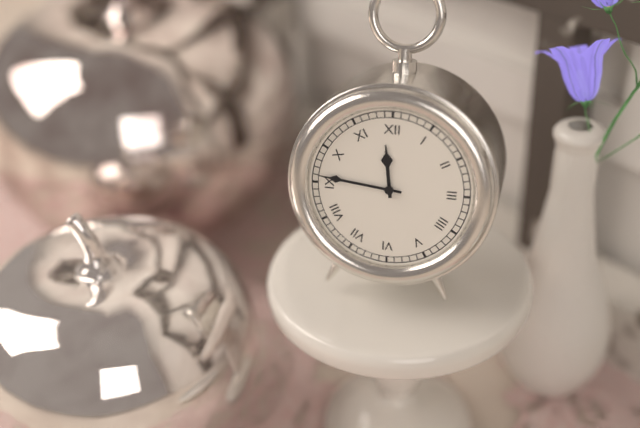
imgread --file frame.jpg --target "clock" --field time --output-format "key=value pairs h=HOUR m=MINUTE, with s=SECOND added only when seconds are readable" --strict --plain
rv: h=11 m=46
